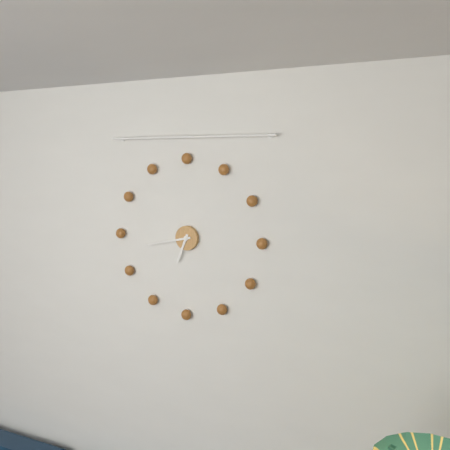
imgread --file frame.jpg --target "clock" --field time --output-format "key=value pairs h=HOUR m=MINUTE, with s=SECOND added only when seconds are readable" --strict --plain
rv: h=6 m=43
